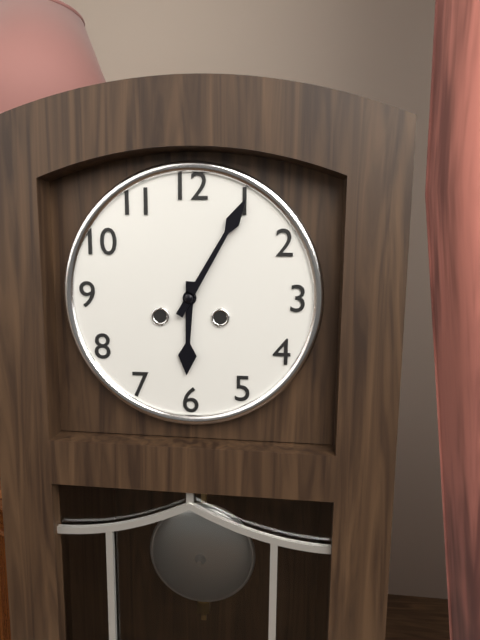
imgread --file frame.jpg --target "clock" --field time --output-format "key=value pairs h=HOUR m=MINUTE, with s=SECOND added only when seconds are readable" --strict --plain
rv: h=6 m=5
